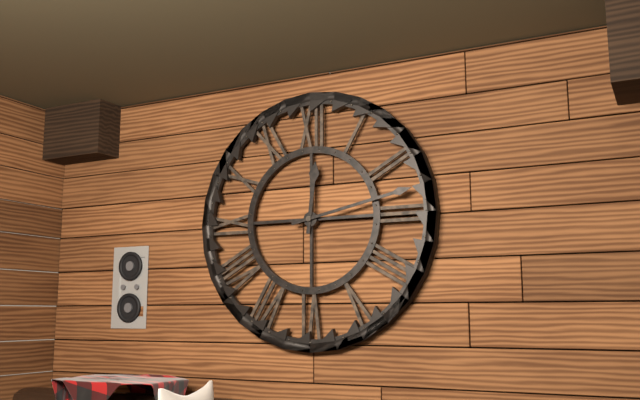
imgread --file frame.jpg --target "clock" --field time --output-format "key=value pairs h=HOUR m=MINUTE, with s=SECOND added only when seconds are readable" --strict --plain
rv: h=12 m=13
